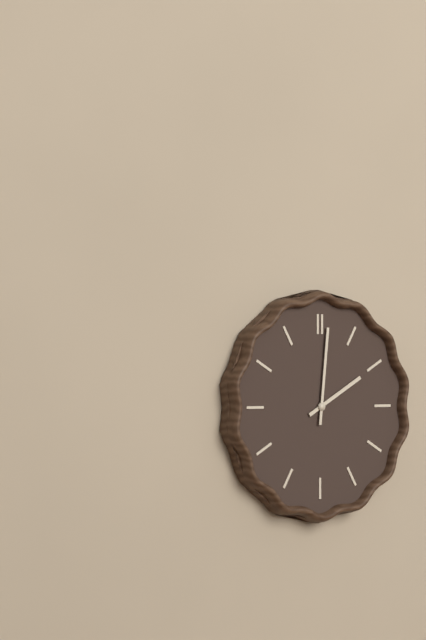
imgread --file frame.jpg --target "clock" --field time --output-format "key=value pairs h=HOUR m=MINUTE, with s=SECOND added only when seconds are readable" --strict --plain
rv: h=2 m=1
